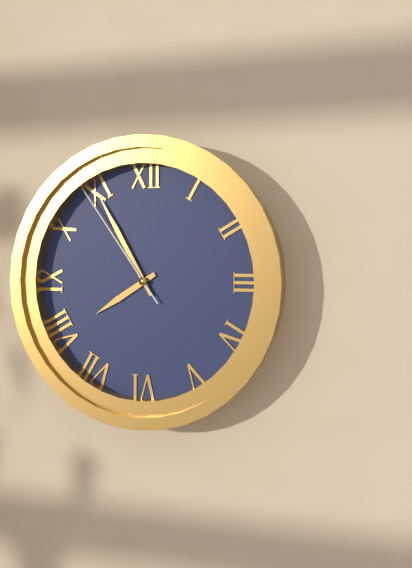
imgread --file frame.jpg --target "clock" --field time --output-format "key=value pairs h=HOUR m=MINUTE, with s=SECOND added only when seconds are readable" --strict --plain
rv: h=7 m=55 s=54
